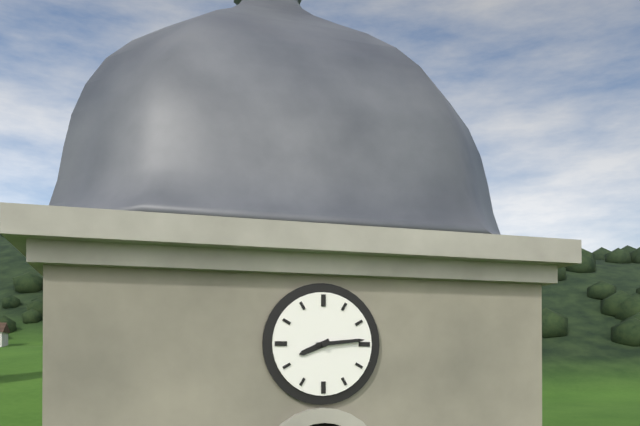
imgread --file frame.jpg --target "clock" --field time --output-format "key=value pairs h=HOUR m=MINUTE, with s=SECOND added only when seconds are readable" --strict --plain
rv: h=8 m=14
